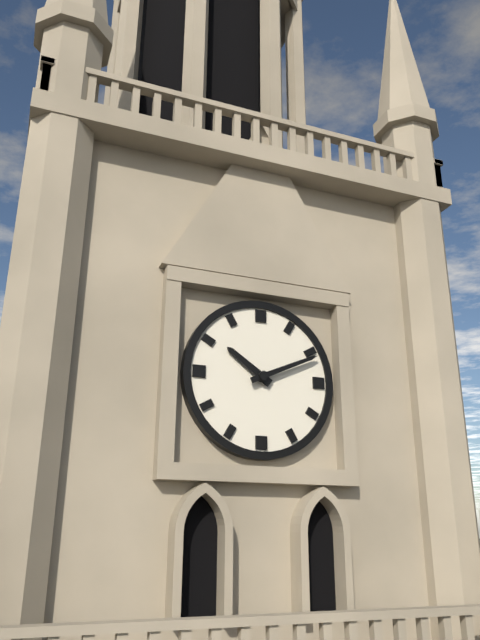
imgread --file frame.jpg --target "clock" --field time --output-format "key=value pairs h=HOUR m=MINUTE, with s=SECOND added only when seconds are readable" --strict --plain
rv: h=10 m=11
